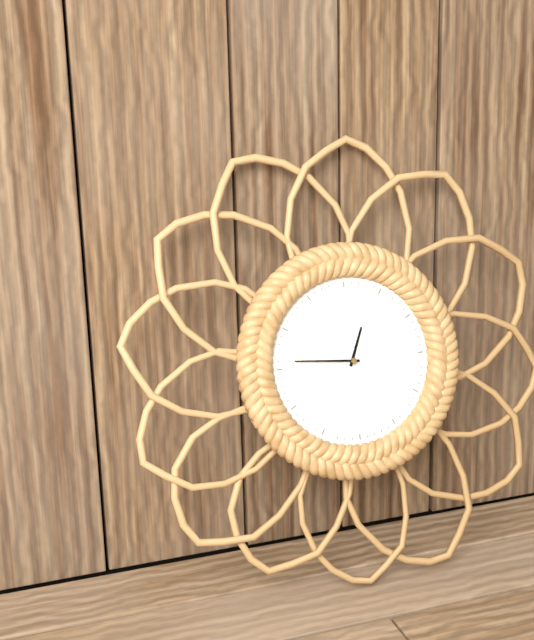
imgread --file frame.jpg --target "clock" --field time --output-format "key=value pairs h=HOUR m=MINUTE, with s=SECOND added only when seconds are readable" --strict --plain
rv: h=12 m=46
